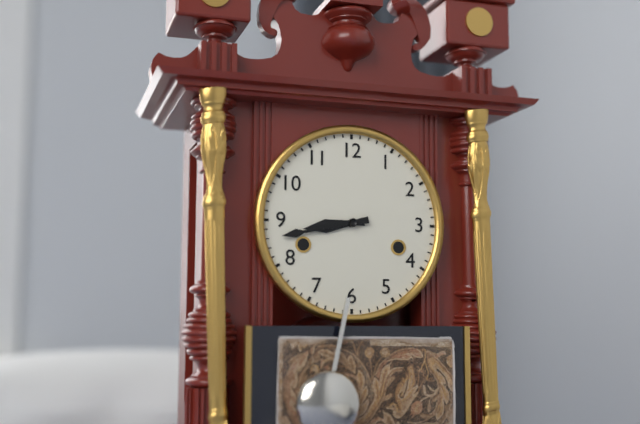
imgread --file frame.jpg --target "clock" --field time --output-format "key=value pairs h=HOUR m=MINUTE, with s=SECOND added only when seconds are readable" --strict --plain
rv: h=8 m=43
